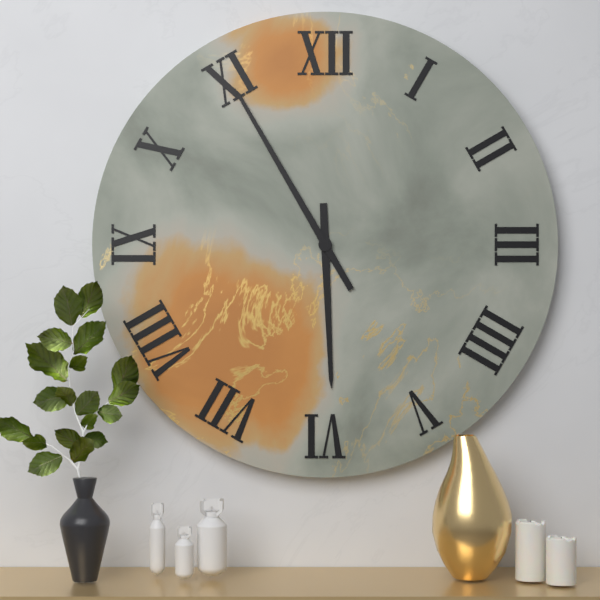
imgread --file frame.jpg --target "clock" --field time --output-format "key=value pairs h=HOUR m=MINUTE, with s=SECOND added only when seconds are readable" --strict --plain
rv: h=5 m=55
